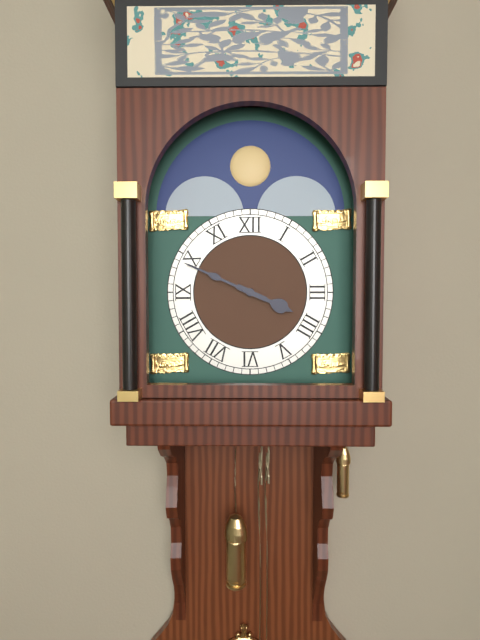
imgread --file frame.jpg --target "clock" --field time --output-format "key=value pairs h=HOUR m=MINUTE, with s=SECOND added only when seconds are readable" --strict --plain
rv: h=3 m=49
